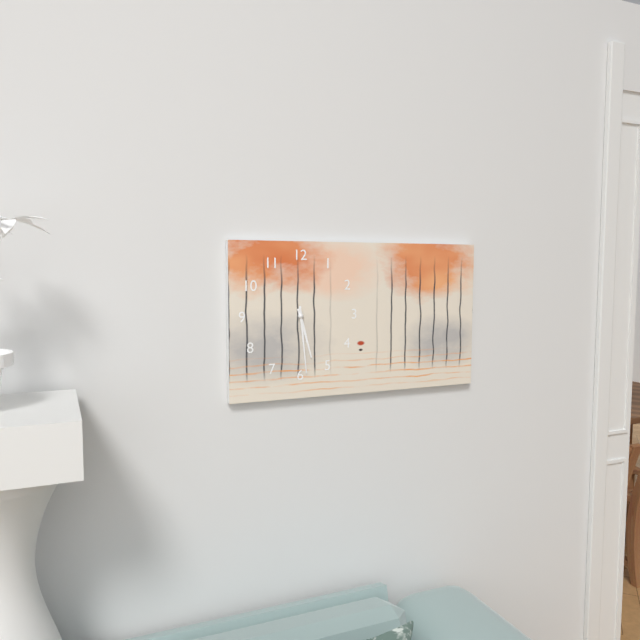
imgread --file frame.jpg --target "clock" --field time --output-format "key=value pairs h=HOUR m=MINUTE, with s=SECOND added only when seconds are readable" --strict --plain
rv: h=5 m=29
